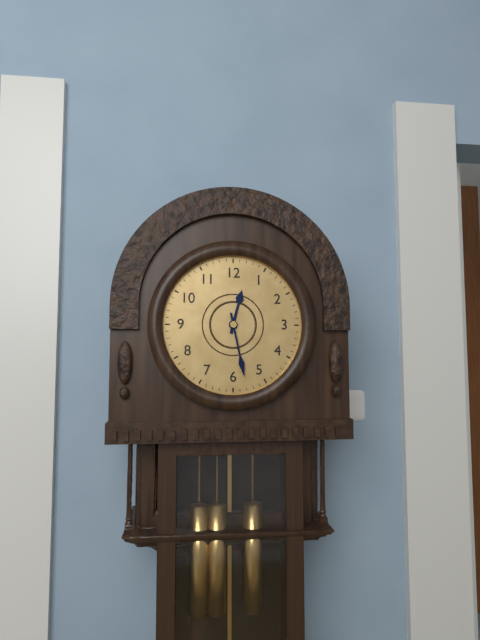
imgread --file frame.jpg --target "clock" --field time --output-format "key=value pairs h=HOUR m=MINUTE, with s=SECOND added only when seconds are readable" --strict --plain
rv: h=12 m=28
